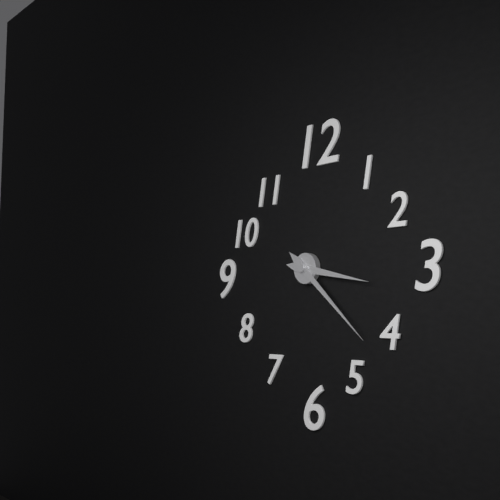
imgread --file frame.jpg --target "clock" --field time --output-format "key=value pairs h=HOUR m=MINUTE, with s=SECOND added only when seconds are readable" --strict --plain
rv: h=3 m=22
